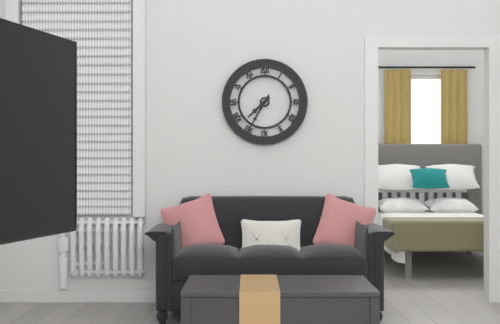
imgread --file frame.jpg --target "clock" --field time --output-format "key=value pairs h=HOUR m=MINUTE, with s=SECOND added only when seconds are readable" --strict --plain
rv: h=7 m=35
